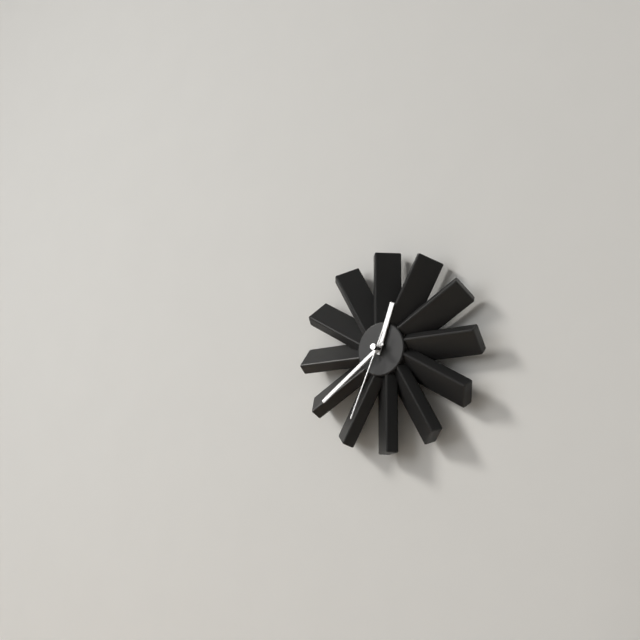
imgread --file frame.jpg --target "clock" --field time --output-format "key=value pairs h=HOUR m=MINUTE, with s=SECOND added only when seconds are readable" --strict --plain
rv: h=12 m=39 s=34
